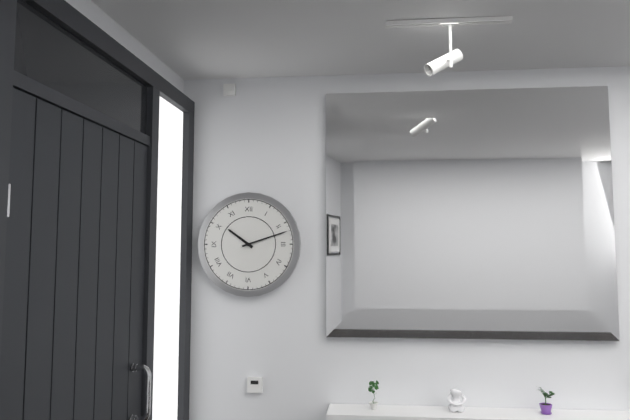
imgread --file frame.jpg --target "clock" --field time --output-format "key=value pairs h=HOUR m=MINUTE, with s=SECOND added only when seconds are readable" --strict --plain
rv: h=10 m=12
